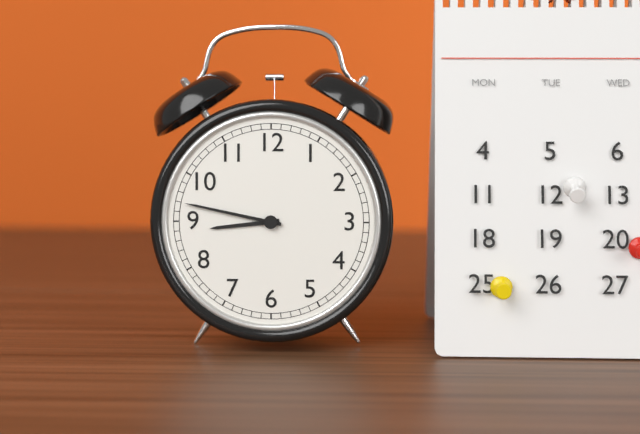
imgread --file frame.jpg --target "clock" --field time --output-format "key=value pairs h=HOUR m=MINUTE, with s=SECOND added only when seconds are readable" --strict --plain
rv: h=8 m=47
